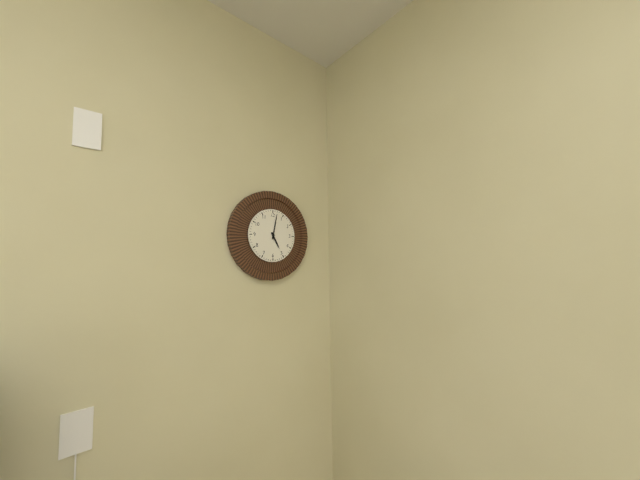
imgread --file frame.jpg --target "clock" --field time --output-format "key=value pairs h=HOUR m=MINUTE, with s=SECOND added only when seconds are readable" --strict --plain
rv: h=5 m=2
